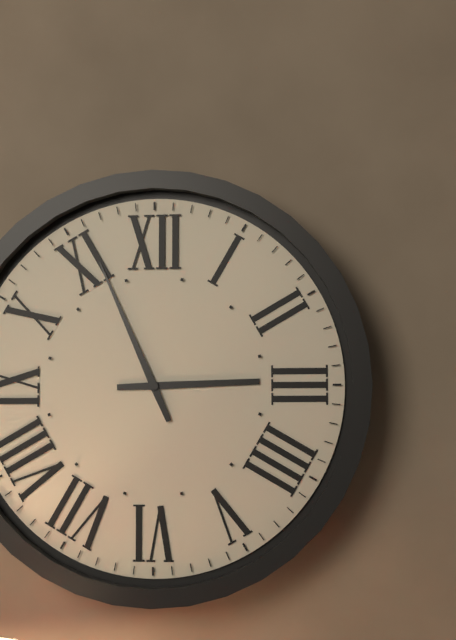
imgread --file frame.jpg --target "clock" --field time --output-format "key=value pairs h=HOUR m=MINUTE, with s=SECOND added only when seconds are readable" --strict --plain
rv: h=2 m=56
